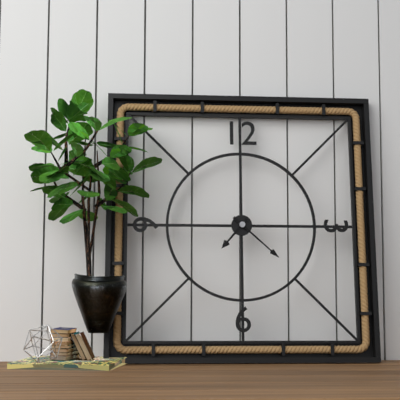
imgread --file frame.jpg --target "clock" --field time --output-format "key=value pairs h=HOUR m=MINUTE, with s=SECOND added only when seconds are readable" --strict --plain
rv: h=7 m=22
